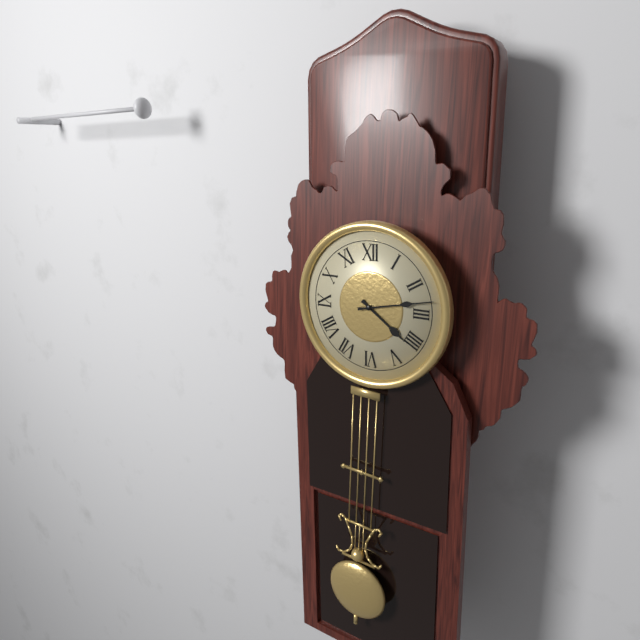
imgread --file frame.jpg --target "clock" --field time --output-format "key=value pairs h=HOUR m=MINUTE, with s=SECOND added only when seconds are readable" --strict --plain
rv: h=4 m=13
